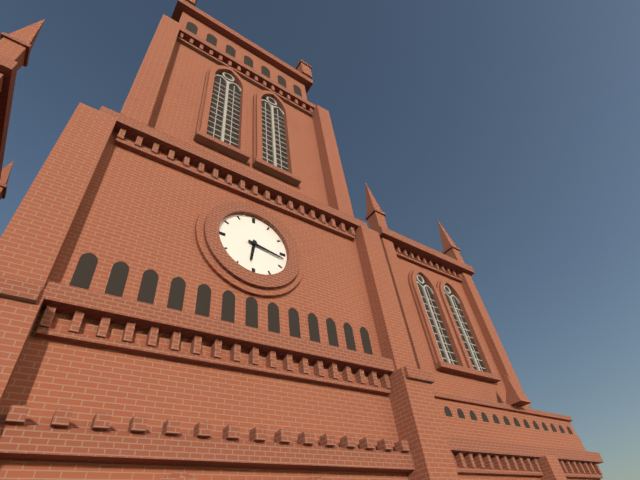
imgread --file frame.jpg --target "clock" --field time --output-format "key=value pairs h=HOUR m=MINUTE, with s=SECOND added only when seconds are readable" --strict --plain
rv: h=6 m=17
